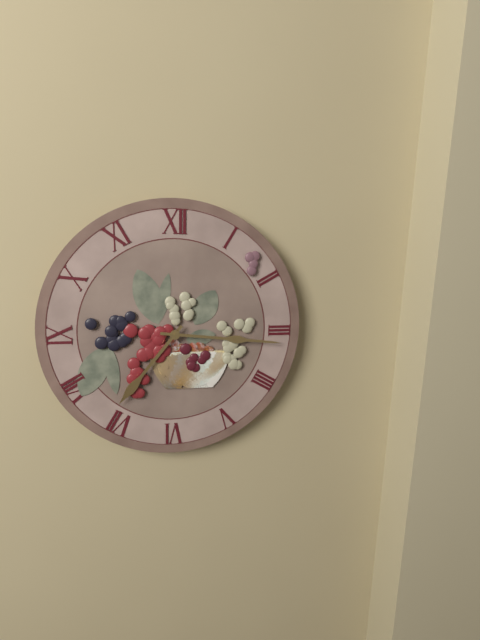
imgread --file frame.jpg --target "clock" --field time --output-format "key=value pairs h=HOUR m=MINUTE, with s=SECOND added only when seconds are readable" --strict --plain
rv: h=7 m=16
